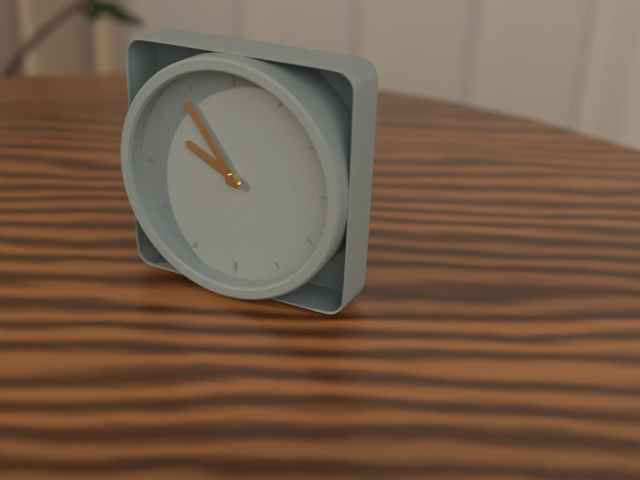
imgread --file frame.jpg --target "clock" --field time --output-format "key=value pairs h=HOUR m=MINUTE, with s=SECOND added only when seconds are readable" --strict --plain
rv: h=9 m=54
